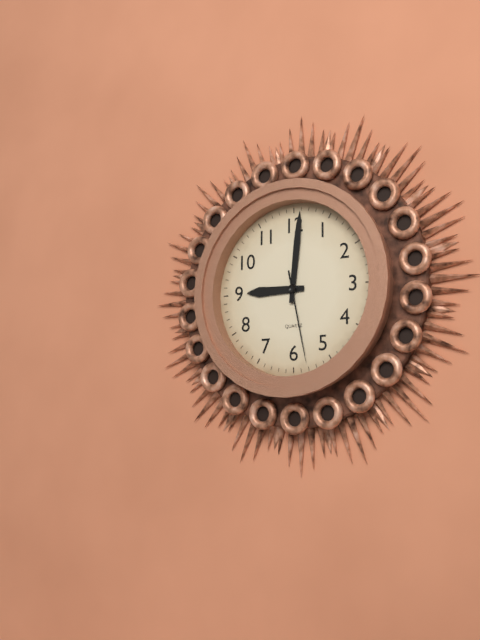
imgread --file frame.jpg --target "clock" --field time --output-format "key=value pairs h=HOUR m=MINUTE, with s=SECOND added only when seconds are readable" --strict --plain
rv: h=9 m=1 s=28
